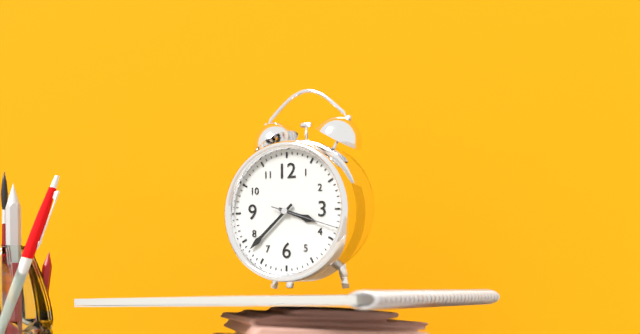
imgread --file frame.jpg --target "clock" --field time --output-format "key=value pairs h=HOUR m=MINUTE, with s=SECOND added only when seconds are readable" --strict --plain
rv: h=3 m=38 s=18
